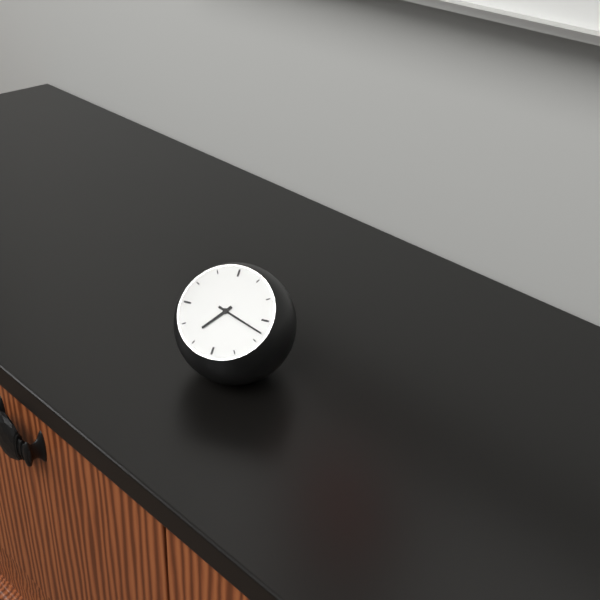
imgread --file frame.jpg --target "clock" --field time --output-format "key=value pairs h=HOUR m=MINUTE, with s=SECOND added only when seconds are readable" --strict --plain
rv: h=7 m=18
